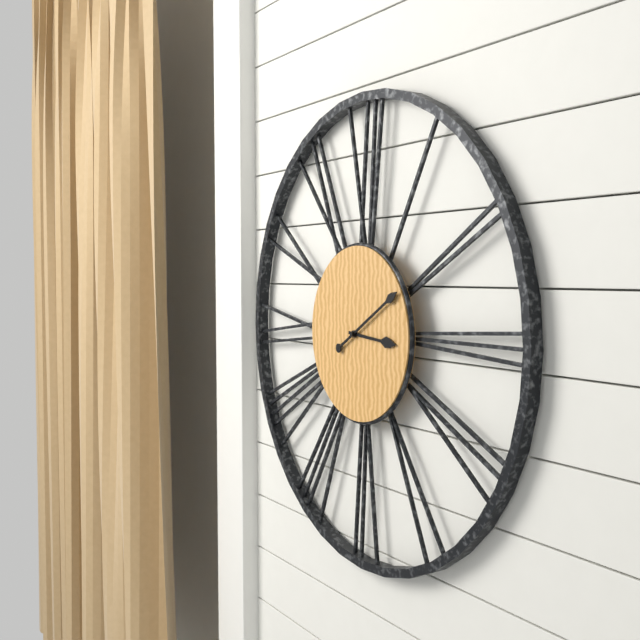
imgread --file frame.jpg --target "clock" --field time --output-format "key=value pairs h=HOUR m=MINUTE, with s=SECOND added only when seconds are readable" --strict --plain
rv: h=3 m=10
